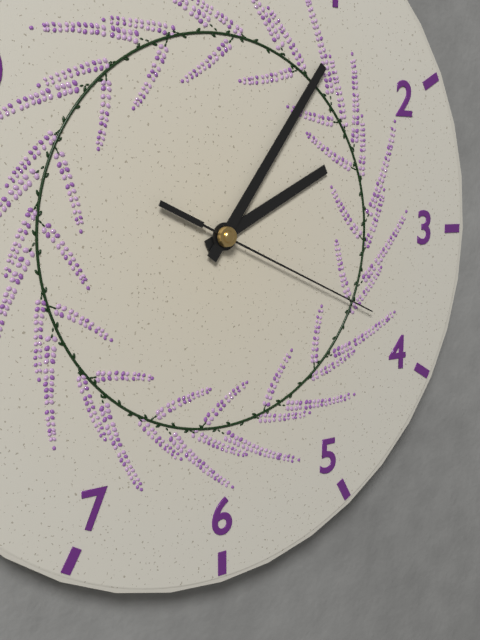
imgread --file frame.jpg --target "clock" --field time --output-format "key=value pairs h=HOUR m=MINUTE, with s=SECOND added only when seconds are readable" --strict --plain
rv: h=2 m=6 s=19
